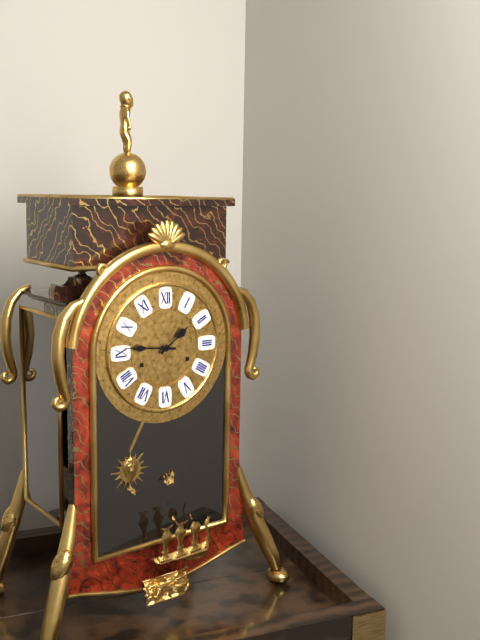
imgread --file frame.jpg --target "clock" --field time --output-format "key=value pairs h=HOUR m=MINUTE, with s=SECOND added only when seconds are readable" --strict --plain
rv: h=1 m=46
